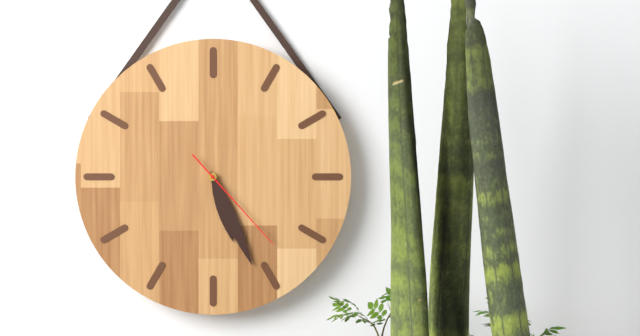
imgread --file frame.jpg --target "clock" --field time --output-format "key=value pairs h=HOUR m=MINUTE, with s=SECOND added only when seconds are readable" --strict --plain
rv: h=5 m=26 s=23
